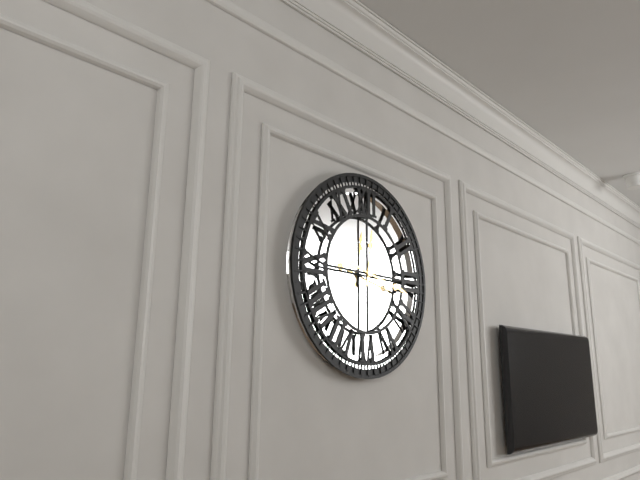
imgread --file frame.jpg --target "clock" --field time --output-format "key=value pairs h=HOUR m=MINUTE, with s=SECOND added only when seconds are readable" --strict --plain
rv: h=12 m=17
